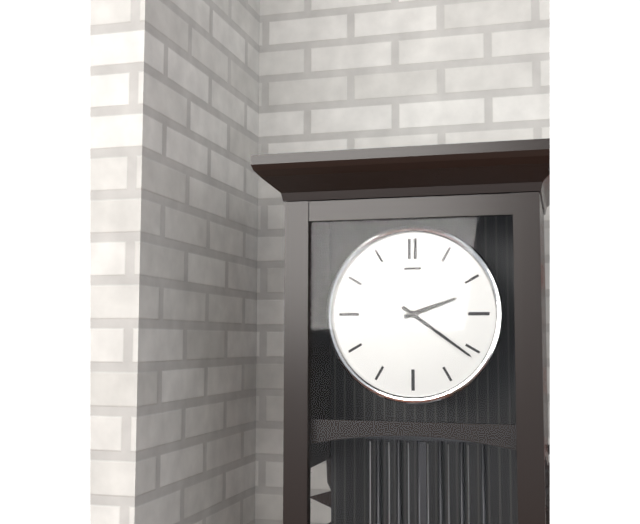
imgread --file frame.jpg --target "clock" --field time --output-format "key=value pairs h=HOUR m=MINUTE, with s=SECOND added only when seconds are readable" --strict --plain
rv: h=2 m=21
